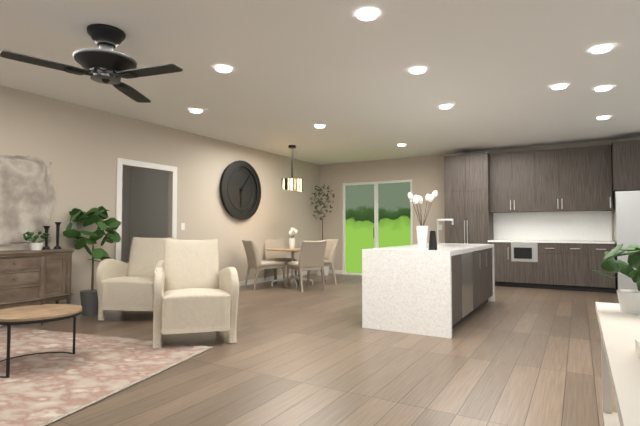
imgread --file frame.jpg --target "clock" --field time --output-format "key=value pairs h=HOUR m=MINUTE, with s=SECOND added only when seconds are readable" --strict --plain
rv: h=6 m=6
